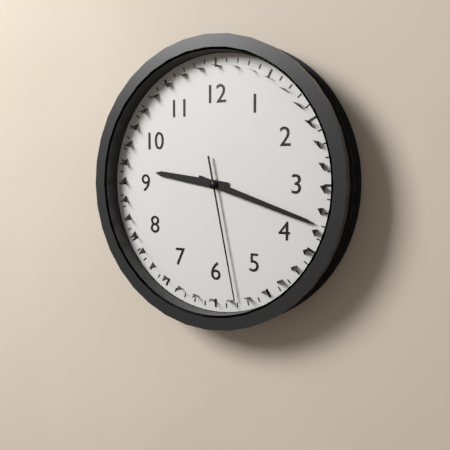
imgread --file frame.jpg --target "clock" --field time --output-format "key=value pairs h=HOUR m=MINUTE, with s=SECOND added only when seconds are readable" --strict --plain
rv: h=9 m=18 s=28
